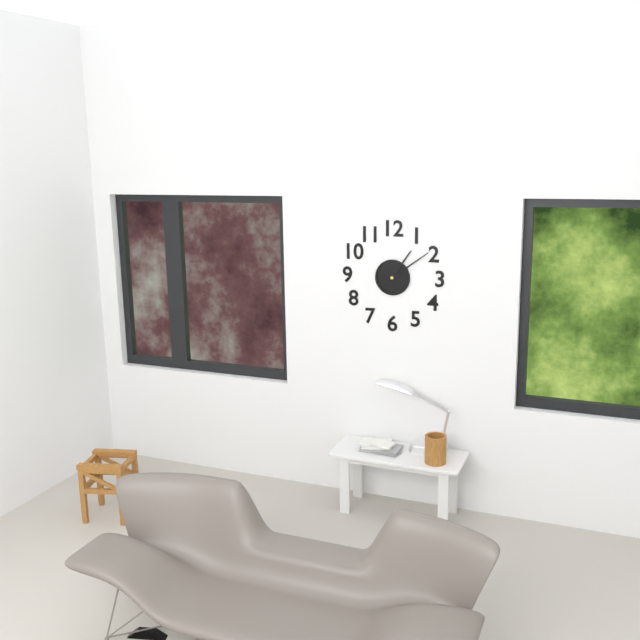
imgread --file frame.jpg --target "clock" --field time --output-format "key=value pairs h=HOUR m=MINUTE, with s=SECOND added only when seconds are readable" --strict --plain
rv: h=1 m=9
